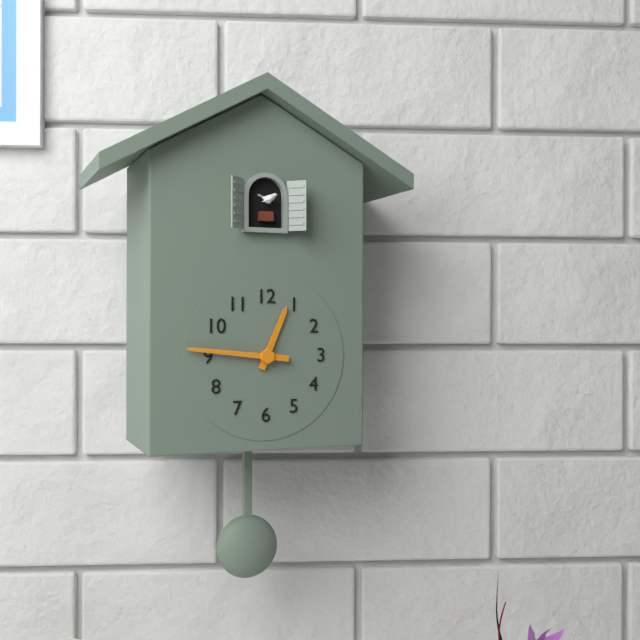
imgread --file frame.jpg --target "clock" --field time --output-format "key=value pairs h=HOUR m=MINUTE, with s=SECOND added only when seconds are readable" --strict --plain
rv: h=12 m=46
